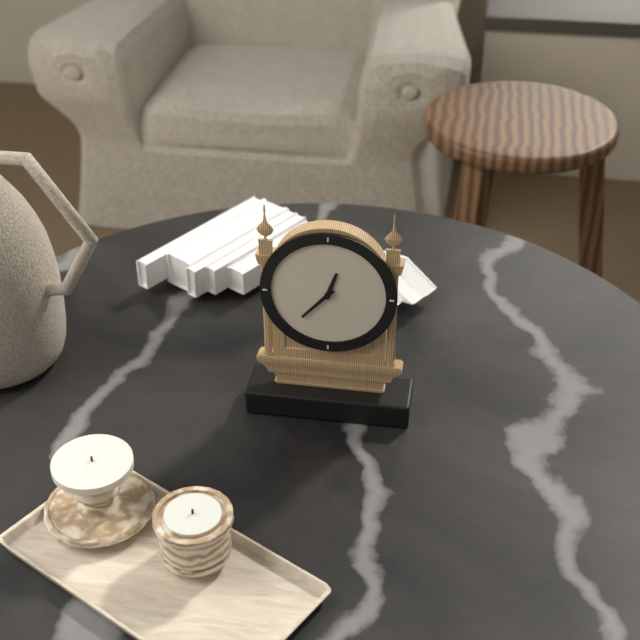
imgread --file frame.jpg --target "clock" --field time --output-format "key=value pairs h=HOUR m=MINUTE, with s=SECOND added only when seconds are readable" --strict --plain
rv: h=12 m=37
